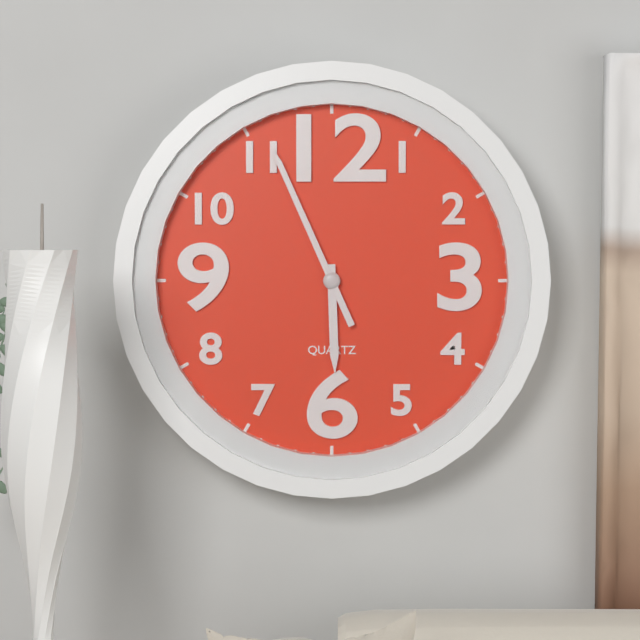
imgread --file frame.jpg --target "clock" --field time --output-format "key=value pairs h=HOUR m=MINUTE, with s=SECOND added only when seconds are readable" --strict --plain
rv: h=5 m=56
